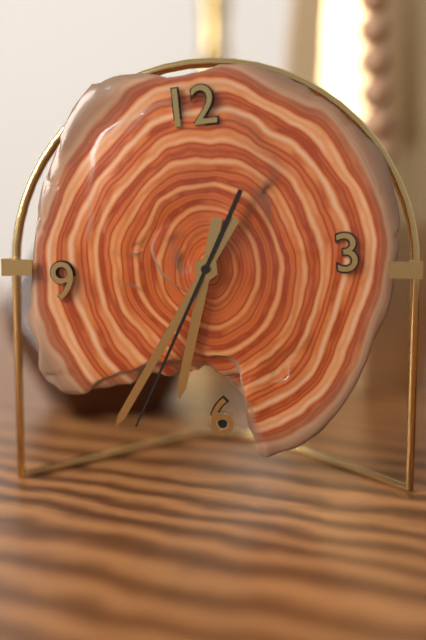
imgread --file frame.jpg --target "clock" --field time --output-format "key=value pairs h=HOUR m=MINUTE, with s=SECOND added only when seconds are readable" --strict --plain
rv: h=6 m=36 s=35
